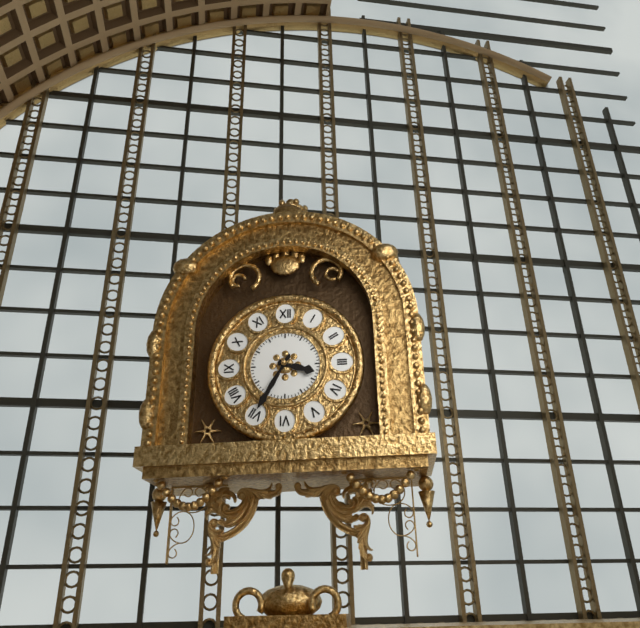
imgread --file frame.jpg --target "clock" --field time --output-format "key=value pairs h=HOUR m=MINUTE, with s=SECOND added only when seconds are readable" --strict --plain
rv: h=3 m=35
